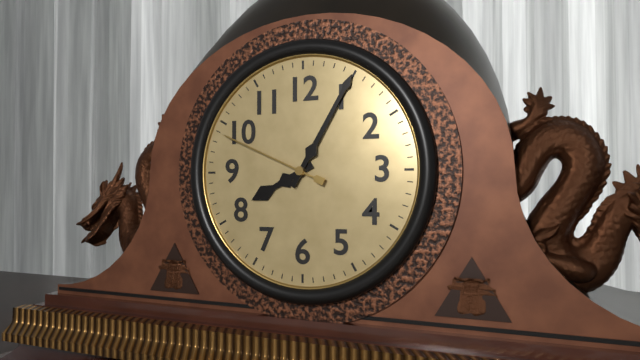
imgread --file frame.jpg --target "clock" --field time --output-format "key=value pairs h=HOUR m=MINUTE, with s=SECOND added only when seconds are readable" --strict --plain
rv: h=8 m=5 s=49
